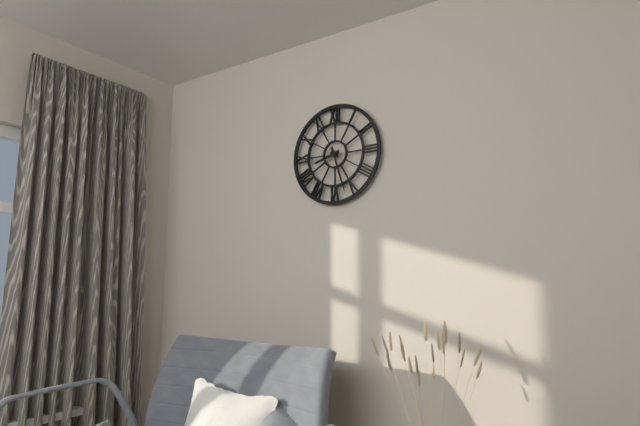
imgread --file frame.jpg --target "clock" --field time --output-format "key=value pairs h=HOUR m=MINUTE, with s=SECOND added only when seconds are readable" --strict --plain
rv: h=8 m=27
